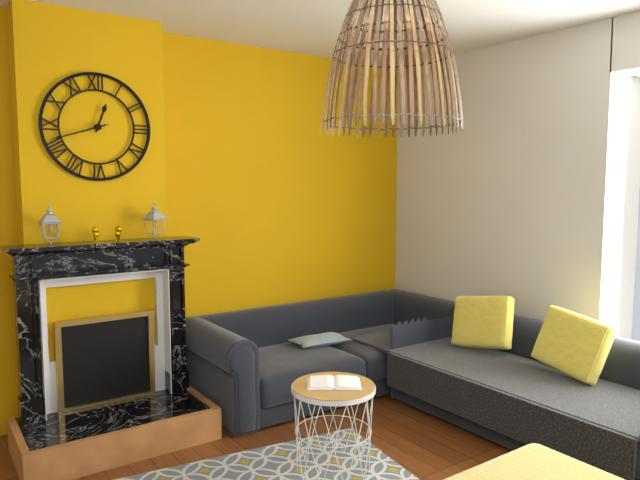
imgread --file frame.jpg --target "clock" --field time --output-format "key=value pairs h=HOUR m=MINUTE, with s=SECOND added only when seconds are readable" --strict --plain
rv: h=12 m=42 s=42
